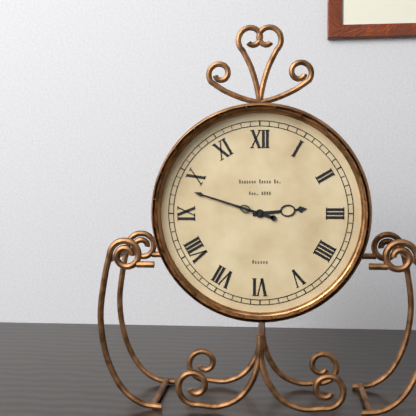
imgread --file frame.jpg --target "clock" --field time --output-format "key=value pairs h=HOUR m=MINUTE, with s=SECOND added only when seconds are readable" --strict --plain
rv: h=2 m=48
